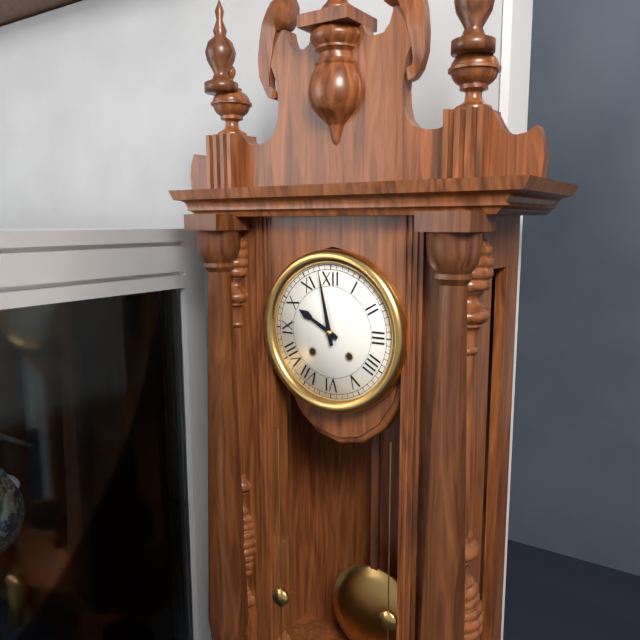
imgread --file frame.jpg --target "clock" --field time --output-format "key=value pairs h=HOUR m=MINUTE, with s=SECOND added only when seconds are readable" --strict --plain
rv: h=9 m=58
